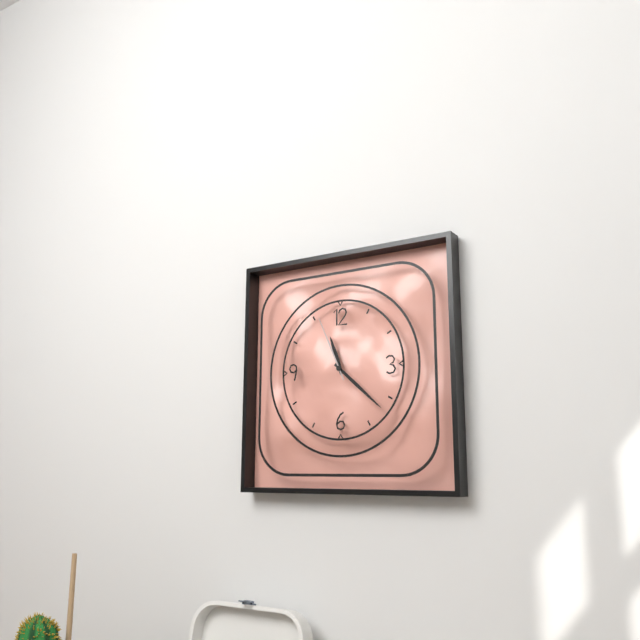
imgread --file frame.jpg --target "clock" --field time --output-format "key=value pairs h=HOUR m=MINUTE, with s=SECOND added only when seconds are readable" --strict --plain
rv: h=11 m=22 s=56
